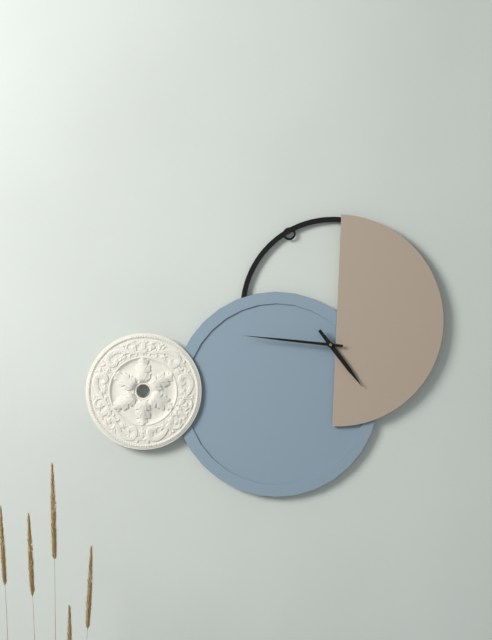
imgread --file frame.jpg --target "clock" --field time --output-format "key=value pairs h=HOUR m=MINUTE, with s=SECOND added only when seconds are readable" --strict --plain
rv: h=4 m=46
